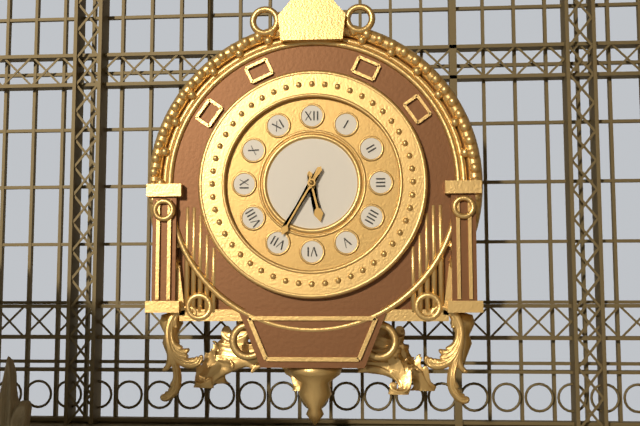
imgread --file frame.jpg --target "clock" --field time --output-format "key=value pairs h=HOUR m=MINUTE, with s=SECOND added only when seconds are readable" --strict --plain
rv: h=5 m=35
